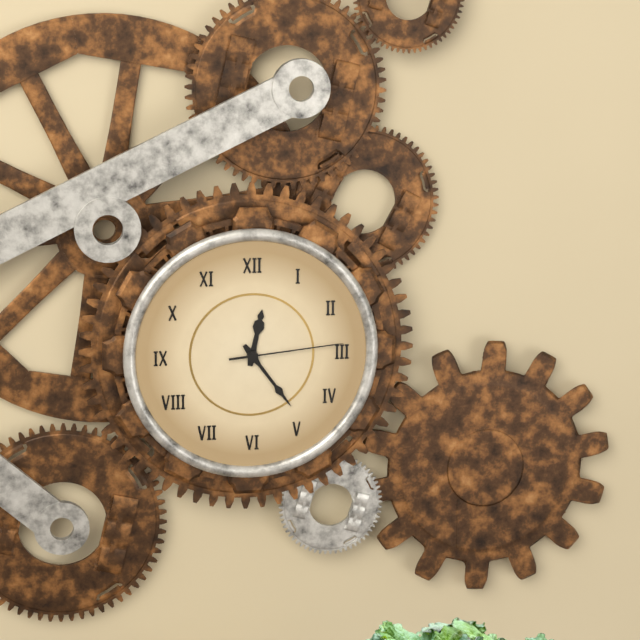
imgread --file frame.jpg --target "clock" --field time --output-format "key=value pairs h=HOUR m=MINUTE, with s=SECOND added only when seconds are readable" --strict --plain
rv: h=12 m=24 s=14
